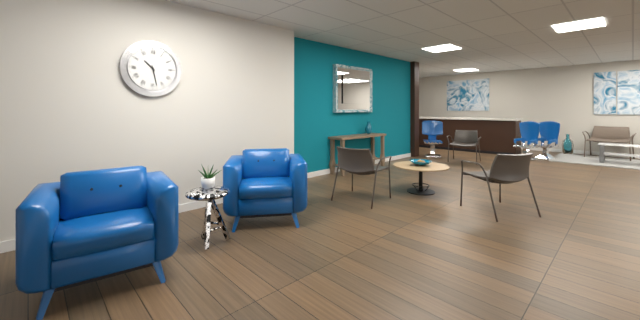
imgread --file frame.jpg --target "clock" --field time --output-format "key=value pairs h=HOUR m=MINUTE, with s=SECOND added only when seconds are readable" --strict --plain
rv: h=10 m=28
